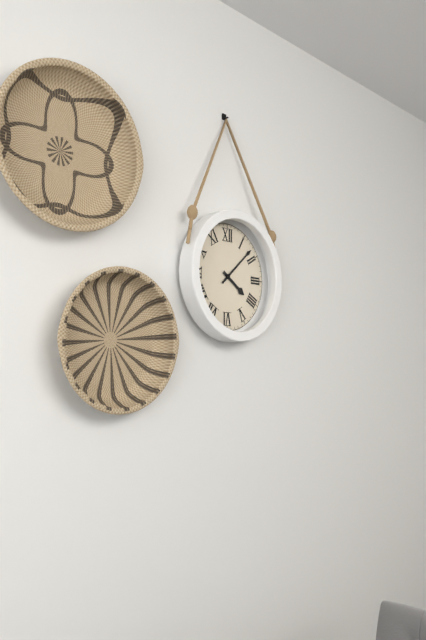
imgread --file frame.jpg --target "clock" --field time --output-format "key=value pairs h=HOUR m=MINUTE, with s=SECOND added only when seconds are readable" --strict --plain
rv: h=4 m=8
